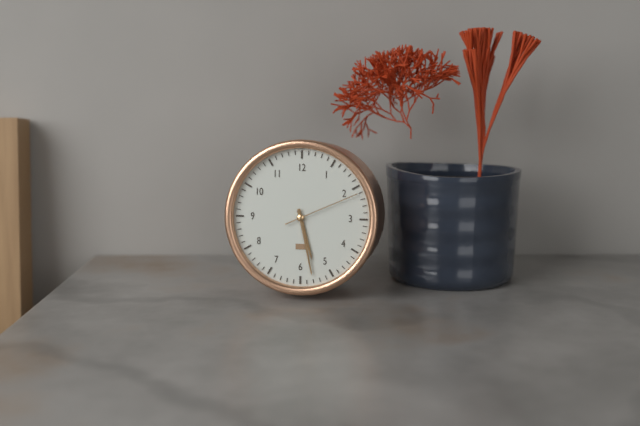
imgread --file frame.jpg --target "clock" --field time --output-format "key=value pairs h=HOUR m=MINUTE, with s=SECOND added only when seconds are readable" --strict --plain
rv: h=5 m=28 s=11
